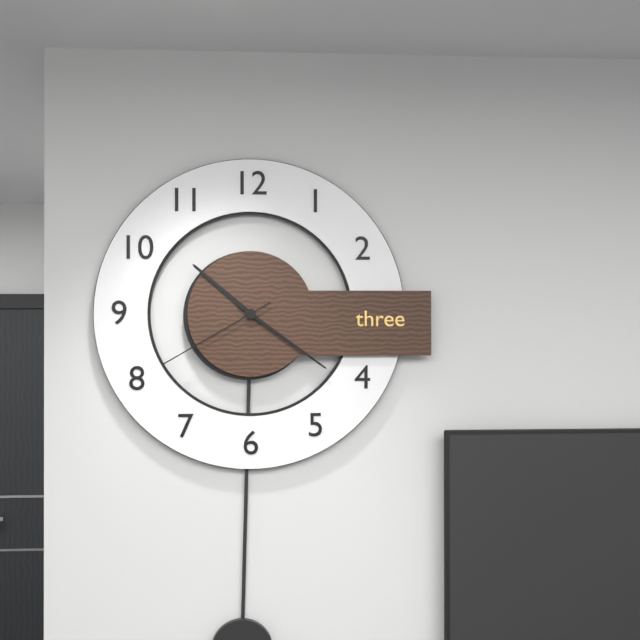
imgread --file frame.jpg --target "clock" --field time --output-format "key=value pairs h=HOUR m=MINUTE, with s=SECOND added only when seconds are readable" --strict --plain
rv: h=10 m=21 s=40
